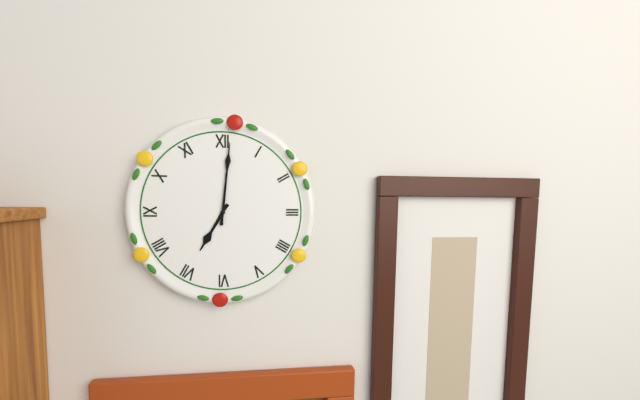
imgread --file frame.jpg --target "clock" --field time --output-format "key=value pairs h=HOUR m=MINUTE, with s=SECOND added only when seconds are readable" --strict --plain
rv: h=7 m=1
